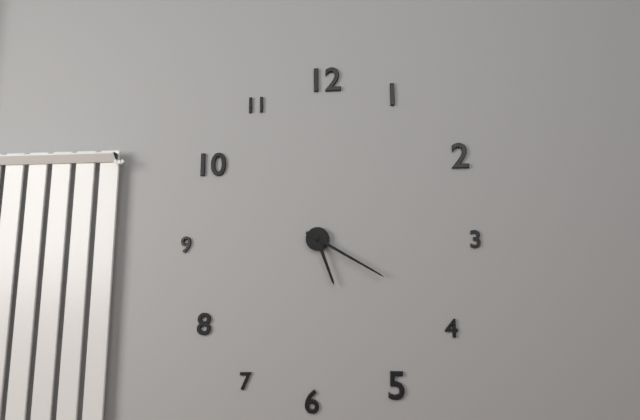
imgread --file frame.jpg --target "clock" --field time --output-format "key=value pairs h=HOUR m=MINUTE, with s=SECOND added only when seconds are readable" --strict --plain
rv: h=5 m=20
